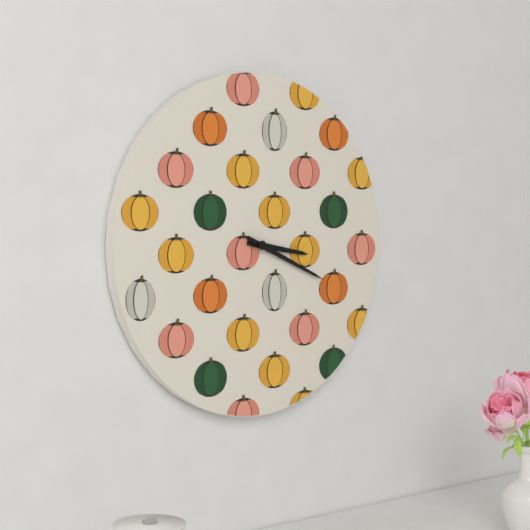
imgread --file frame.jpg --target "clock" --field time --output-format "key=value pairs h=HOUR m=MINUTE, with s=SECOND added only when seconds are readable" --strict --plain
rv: h=3 m=19
